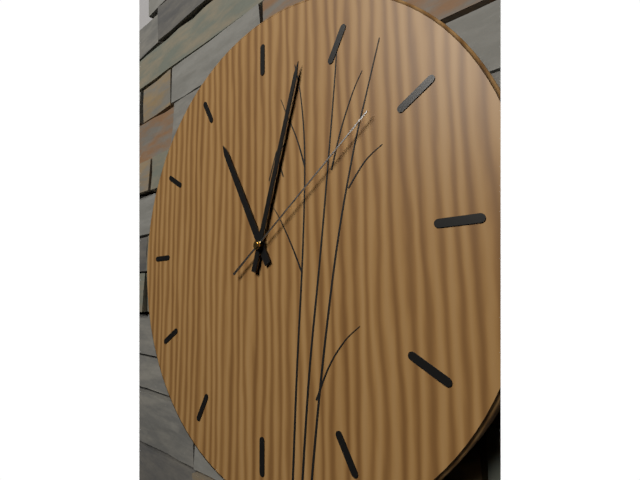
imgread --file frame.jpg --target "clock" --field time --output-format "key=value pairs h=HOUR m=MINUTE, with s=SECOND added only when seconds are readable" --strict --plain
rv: h=11 m=3 s=9
